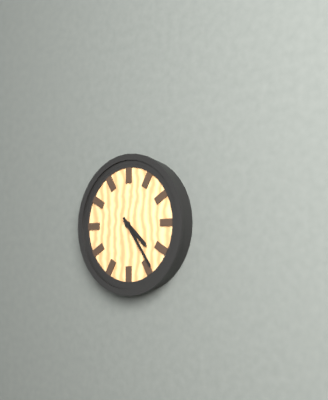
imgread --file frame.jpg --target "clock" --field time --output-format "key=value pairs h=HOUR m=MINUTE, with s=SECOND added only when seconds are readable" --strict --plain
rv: h=4 m=24
